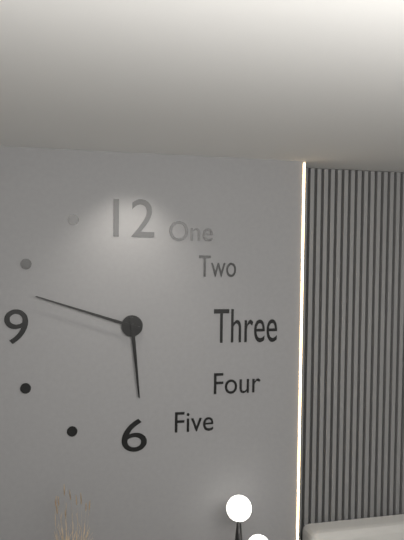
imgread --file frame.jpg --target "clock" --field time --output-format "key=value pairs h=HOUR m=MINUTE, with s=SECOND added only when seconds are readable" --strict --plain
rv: h=5 m=48
